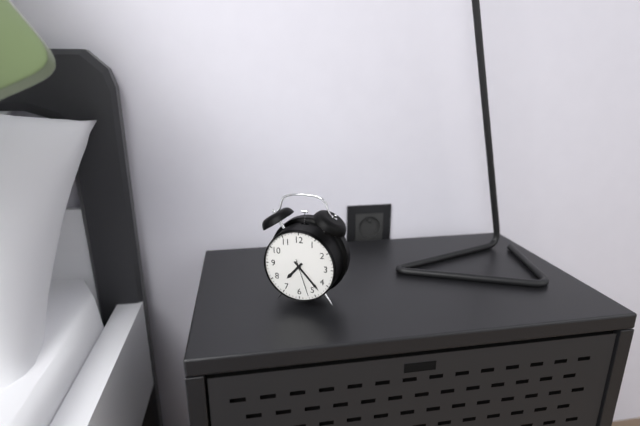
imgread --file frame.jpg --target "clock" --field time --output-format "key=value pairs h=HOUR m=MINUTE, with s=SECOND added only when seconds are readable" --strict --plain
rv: h=7 m=23
